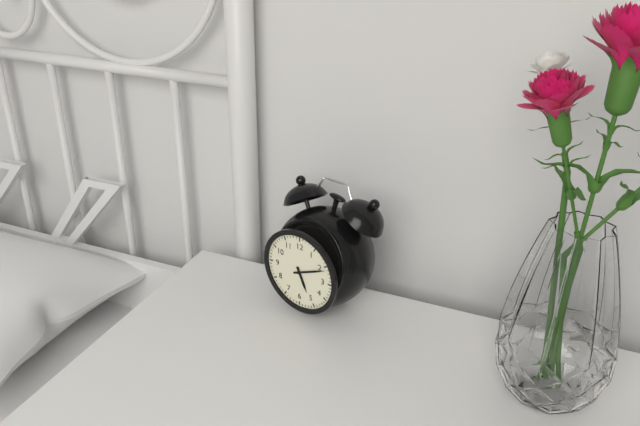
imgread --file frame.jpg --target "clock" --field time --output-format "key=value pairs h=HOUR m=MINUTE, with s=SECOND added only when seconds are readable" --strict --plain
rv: h=5 m=11
